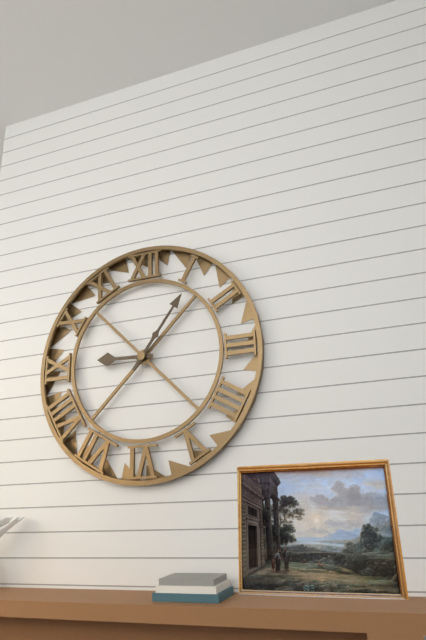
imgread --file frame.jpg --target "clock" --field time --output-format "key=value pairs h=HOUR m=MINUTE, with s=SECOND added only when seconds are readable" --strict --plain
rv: h=9 m=6
